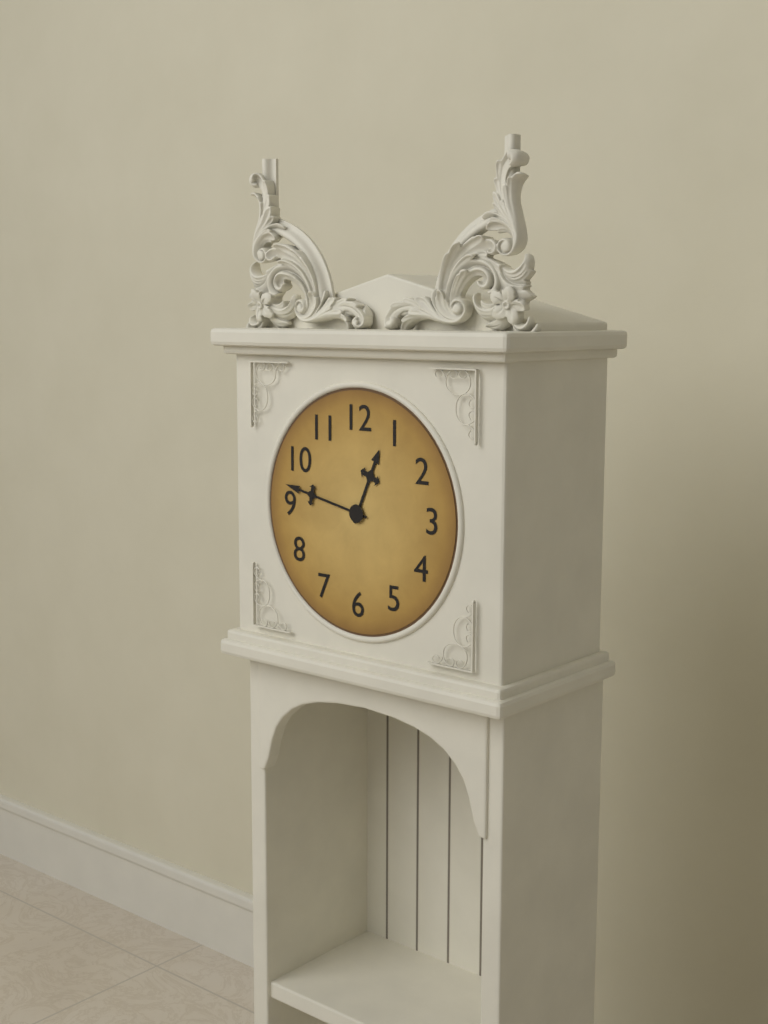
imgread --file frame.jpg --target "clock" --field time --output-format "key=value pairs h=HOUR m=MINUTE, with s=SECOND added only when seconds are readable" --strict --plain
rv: h=12 m=47
